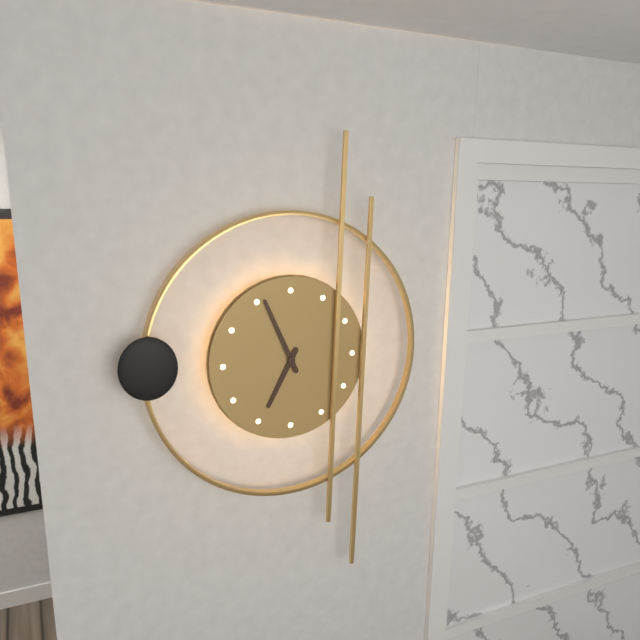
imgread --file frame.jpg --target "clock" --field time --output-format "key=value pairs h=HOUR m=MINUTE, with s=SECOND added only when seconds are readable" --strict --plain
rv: h=6 m=56
